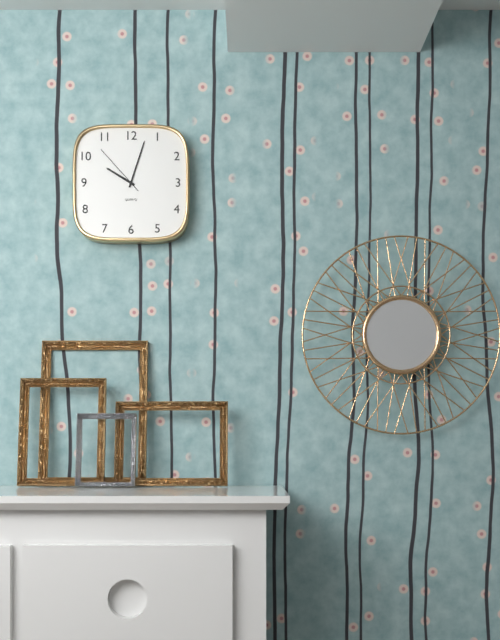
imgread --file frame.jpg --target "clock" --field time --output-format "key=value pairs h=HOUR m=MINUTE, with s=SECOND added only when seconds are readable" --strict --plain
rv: h=10 m=3 s=53
